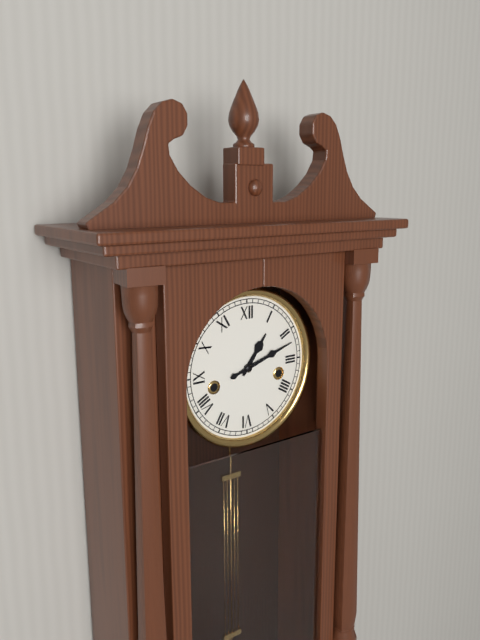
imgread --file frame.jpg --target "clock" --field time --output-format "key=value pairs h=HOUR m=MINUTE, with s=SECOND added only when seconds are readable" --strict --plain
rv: h=1 m=12
